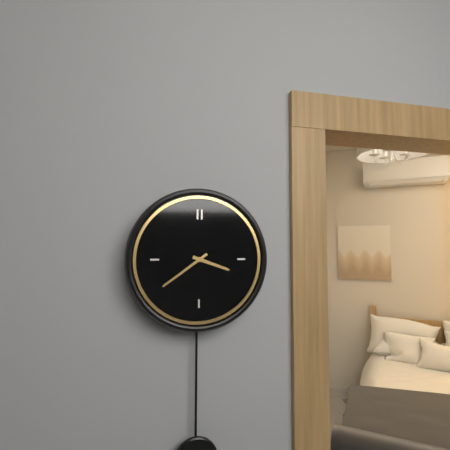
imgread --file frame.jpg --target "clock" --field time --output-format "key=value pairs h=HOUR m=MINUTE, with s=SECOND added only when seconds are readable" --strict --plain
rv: h=3 m=39
